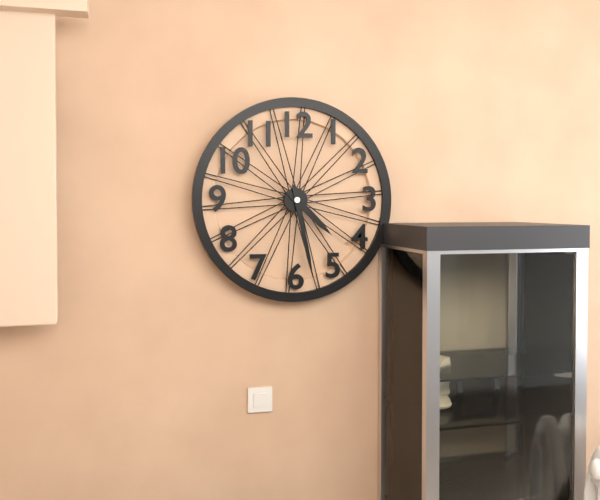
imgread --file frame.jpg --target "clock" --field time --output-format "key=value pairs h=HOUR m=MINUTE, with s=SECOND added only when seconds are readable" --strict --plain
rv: h=4 m=28
